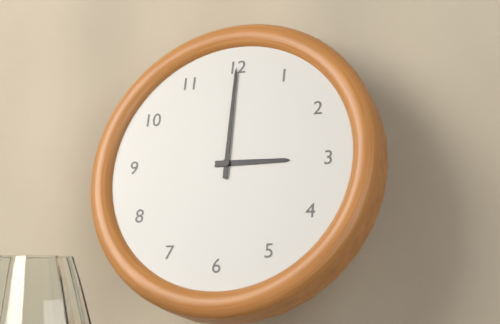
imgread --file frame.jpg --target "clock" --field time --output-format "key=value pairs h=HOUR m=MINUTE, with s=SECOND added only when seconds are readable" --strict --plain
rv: h=3 m=0
